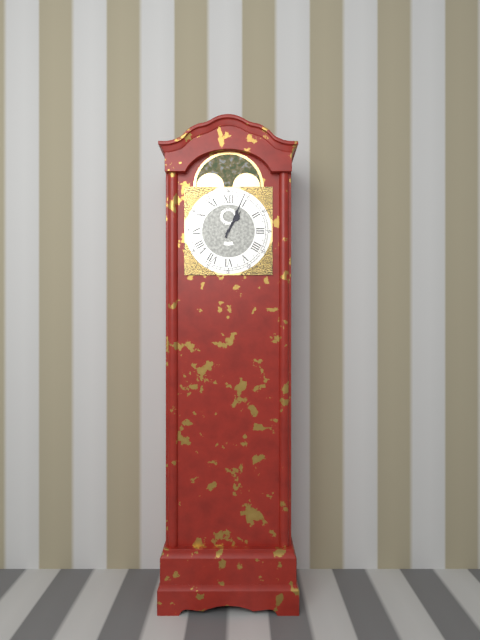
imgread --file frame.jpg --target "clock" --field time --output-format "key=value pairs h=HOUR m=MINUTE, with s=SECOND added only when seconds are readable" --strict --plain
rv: h=1 m=4
